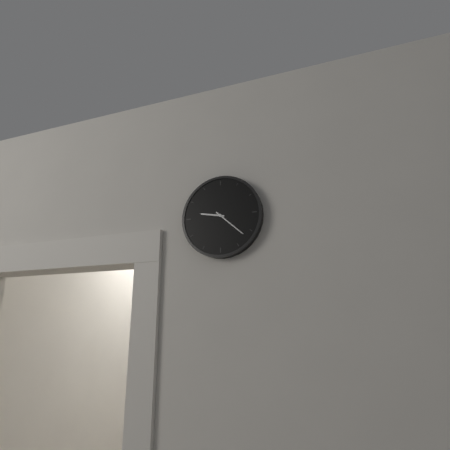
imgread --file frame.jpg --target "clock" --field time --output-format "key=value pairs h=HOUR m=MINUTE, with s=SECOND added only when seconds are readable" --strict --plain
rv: h=9 m=22
